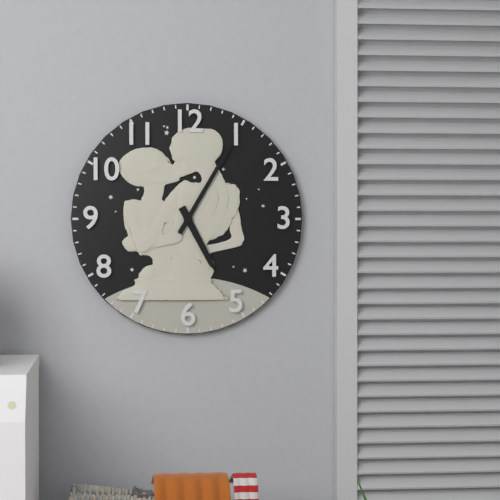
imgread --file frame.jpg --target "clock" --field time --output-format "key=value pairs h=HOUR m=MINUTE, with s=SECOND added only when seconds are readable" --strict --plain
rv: h=5 m=5
